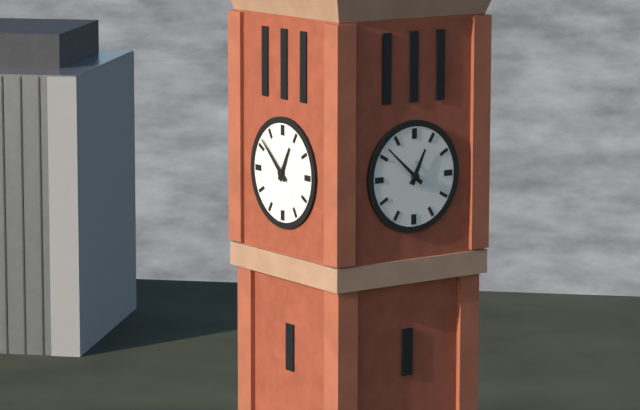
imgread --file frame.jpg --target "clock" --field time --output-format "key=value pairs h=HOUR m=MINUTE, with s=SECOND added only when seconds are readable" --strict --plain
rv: h=12 m=52
